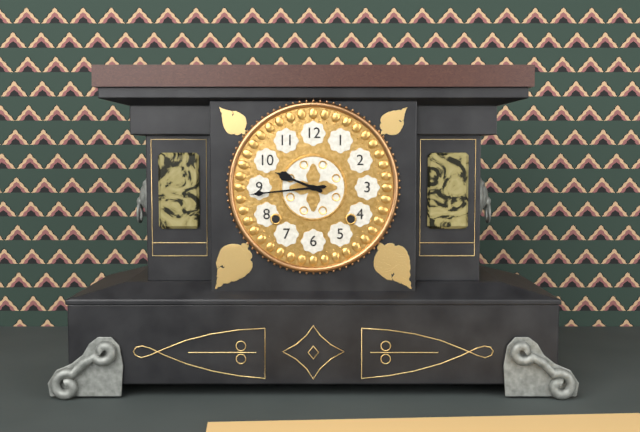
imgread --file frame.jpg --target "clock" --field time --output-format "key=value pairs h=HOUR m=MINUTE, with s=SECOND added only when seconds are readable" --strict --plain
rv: h=9 m=44
